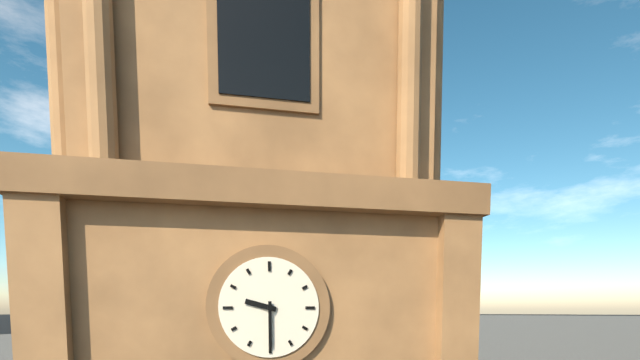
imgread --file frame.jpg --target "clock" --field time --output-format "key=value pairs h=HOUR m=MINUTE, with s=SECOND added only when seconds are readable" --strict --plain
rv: h=9 m=30
